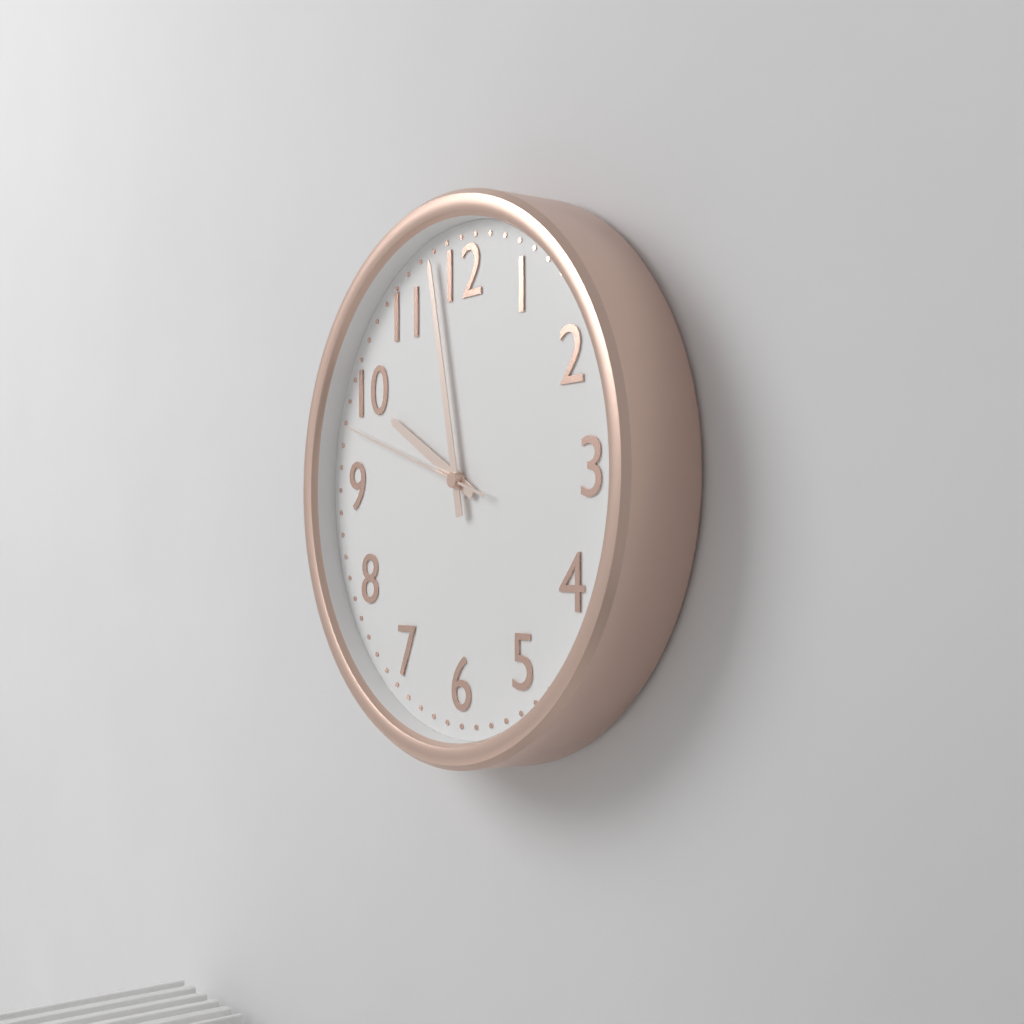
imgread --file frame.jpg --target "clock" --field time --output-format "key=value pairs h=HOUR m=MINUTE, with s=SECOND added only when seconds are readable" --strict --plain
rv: h=9 m=58 s=48
